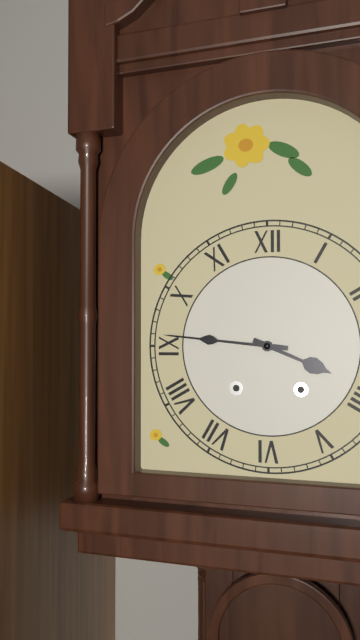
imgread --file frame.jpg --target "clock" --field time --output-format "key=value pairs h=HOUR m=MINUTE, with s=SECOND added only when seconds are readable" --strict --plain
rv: h=3 m=46
